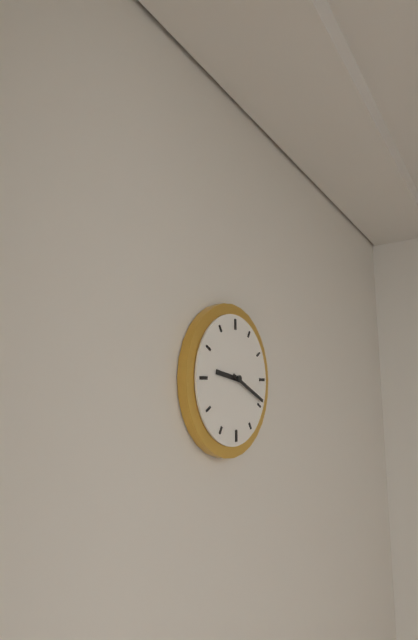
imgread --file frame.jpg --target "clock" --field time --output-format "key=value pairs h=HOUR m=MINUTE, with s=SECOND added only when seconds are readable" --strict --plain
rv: h=9 m=19
